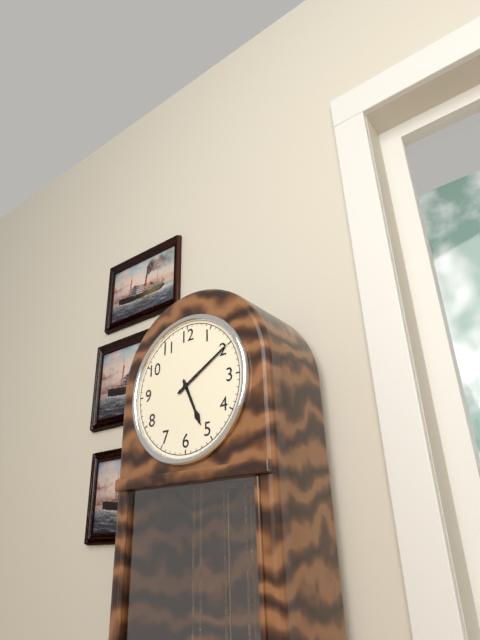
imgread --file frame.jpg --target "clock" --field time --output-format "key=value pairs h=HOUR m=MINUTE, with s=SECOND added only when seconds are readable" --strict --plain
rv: h=5 m=10
